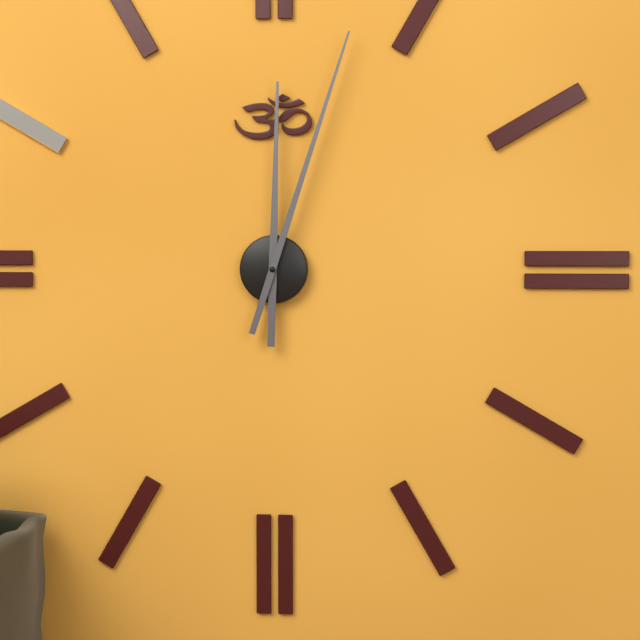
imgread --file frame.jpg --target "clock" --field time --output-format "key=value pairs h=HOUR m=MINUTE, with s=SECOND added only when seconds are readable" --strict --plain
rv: h=12 m=3
